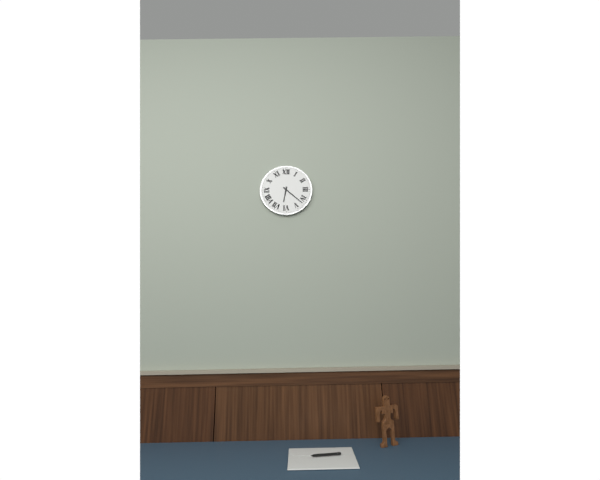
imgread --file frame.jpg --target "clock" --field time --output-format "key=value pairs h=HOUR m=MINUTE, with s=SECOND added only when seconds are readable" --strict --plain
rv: h=6 m=22
